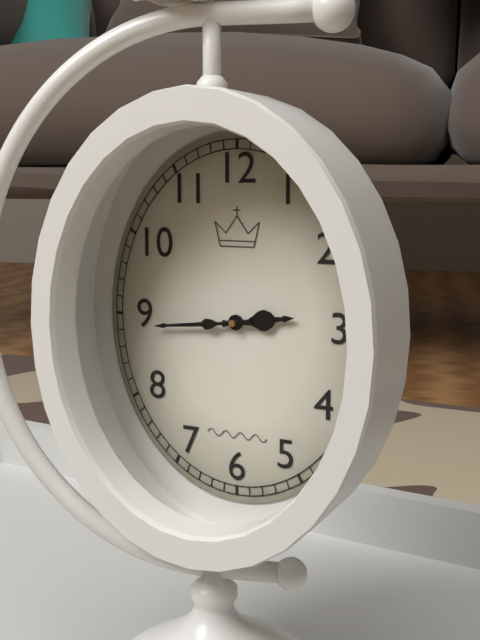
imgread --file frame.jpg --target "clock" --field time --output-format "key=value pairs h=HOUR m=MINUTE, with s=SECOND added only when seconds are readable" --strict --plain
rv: h=2 m=44
